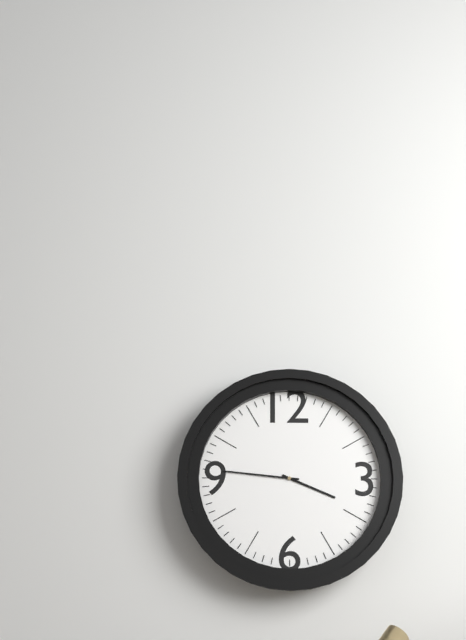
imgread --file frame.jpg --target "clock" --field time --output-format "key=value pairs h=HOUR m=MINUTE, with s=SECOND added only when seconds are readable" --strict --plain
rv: h=3 m=46
